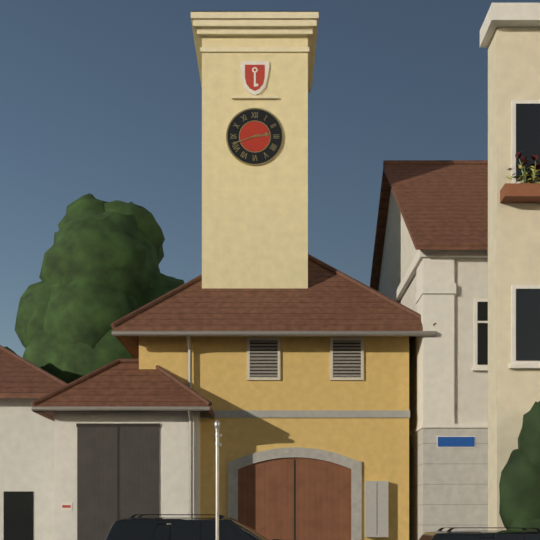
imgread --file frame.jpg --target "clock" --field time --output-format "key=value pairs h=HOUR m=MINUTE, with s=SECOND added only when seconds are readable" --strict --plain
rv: h=2 m=42
